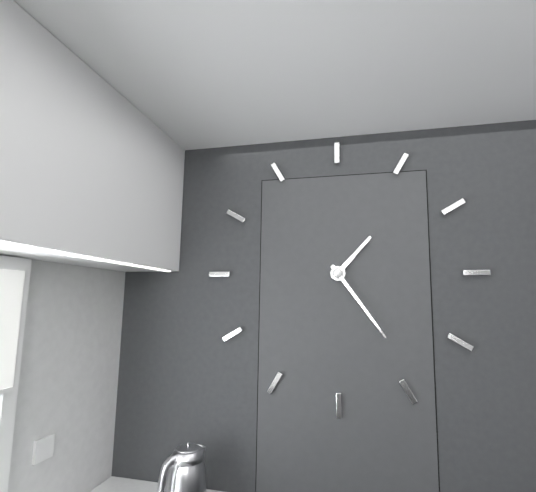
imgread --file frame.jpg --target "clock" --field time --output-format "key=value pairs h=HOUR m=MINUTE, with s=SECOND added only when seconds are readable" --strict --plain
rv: h=1 m=24
